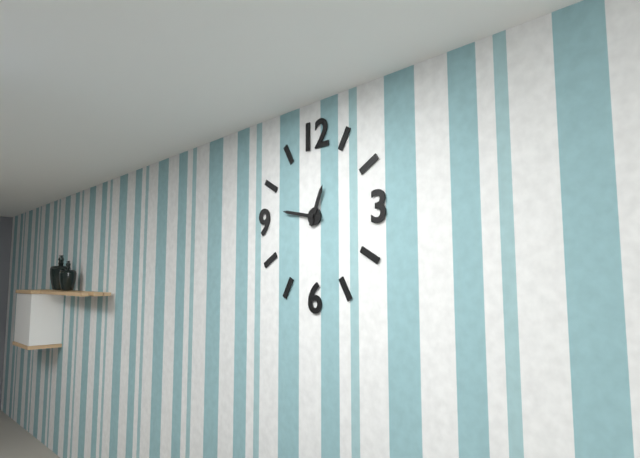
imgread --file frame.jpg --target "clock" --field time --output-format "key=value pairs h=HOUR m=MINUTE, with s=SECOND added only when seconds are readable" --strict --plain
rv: h=12 m=47
